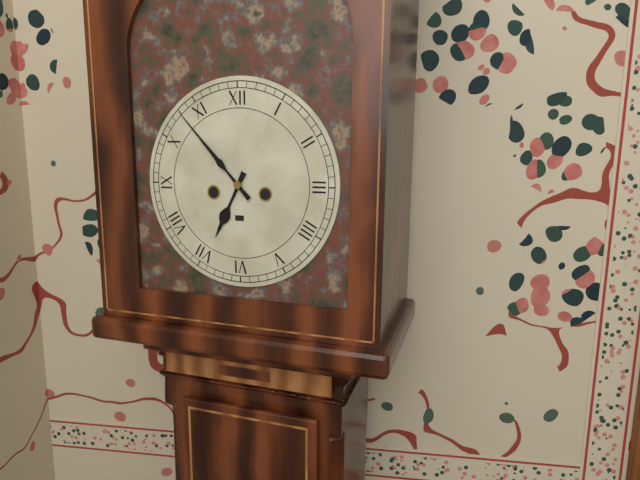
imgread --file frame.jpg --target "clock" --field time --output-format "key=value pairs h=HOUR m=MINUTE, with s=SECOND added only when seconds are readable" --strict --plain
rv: h=6 m=53
